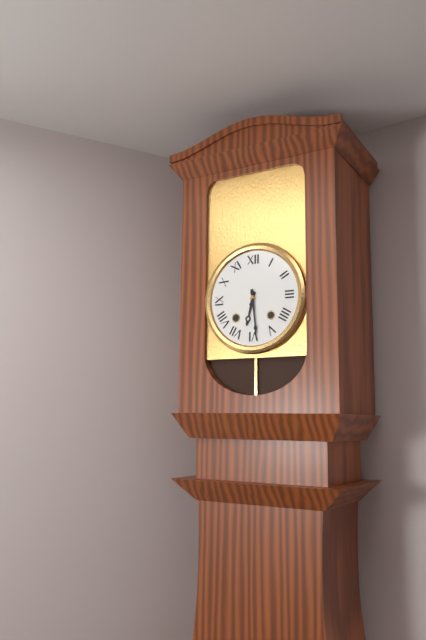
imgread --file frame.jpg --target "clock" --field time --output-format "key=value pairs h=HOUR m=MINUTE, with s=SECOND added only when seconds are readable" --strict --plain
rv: h=6 m=29
